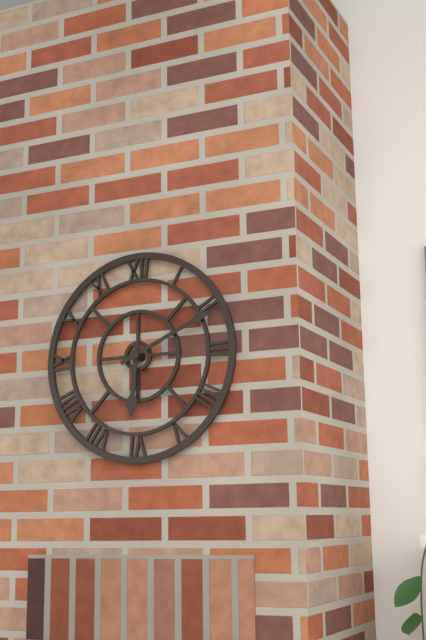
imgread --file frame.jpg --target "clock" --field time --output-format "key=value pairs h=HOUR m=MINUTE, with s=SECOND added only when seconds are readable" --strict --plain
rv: h=6 m=11
